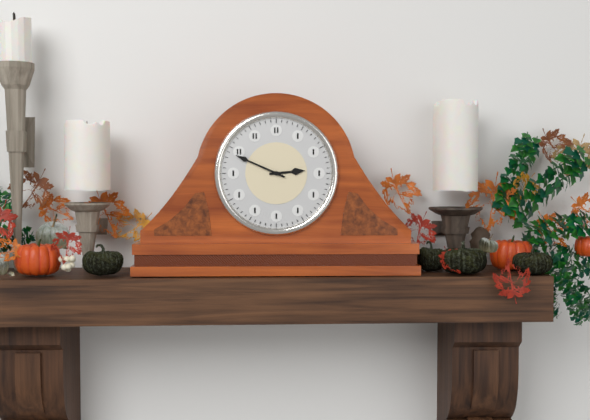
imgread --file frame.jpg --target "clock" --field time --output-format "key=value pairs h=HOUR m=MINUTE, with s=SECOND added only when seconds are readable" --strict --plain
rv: h=2 m=49
